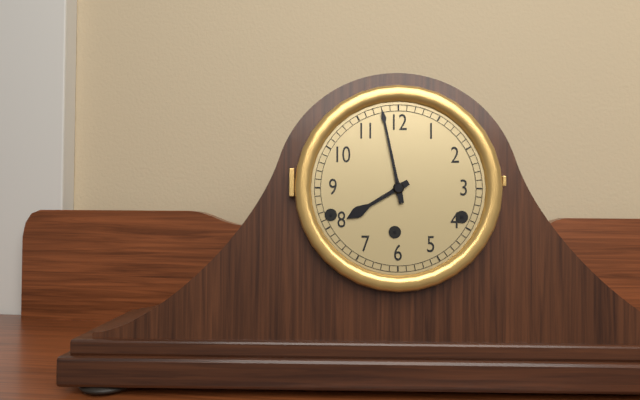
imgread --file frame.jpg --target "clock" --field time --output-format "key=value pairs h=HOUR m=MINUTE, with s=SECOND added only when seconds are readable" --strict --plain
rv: h=7 m=58
